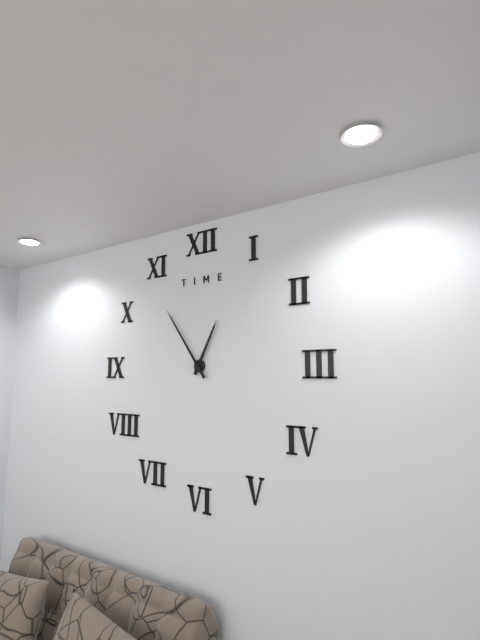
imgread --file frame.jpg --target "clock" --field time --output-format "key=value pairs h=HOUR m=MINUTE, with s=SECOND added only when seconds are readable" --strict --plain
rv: h=12 m=54
